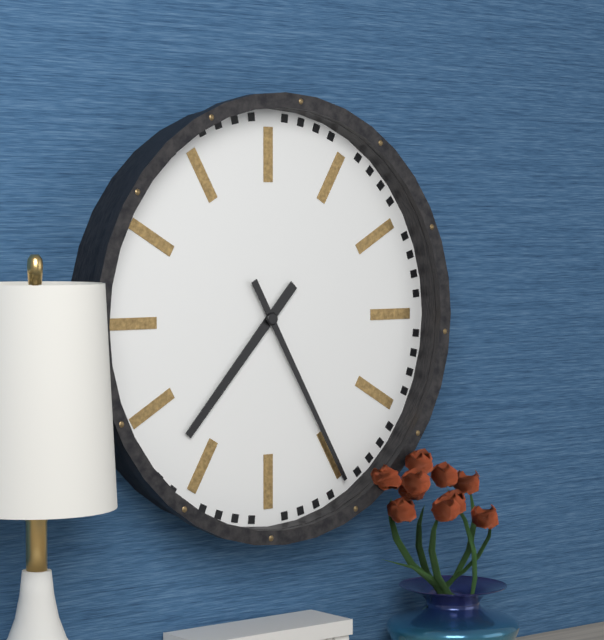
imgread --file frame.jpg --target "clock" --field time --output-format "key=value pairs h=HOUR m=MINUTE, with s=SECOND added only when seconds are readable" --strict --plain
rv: h=7 m=25
